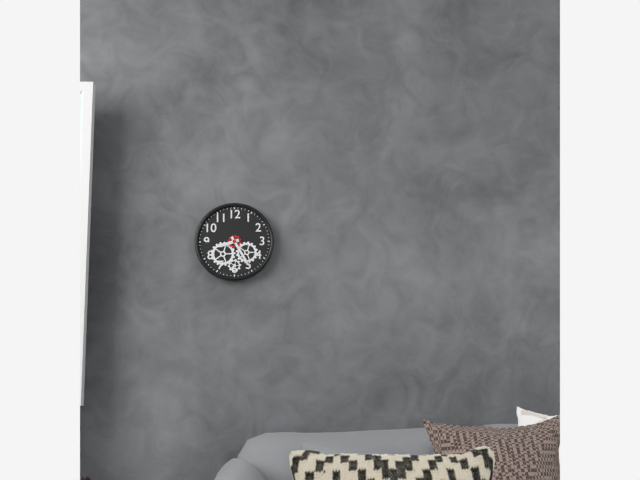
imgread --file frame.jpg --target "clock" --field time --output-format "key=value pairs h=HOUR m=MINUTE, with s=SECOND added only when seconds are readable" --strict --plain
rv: h=8 m=25
